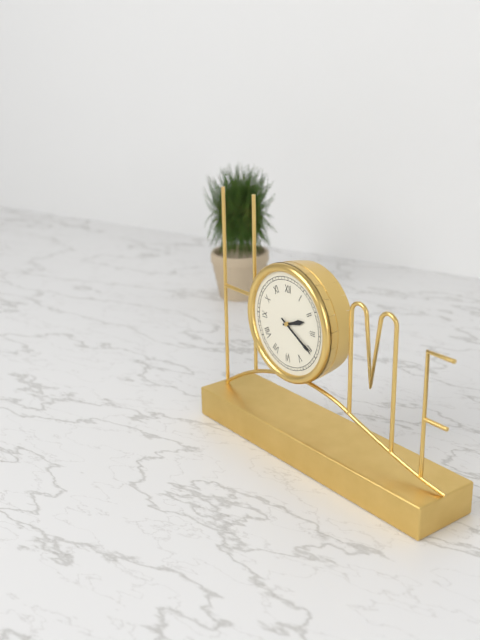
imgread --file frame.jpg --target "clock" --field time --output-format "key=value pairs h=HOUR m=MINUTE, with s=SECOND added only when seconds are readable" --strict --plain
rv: h=2 m=20
